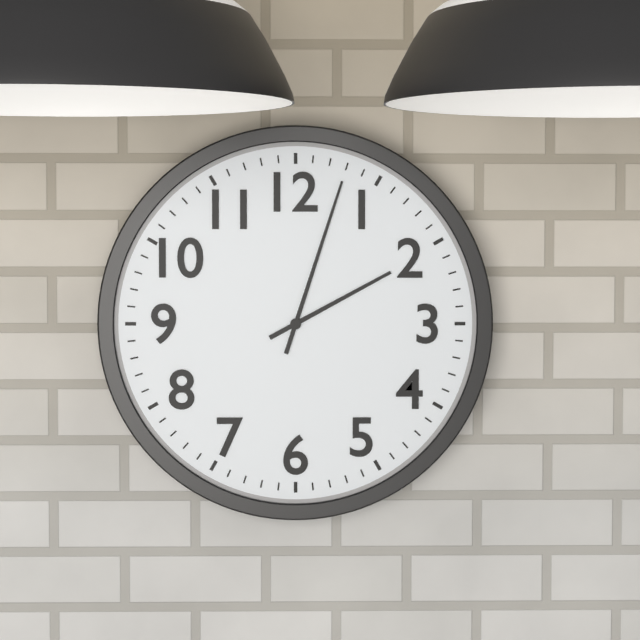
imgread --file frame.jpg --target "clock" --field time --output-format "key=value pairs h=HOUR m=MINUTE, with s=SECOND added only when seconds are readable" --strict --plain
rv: h=2 m=3
